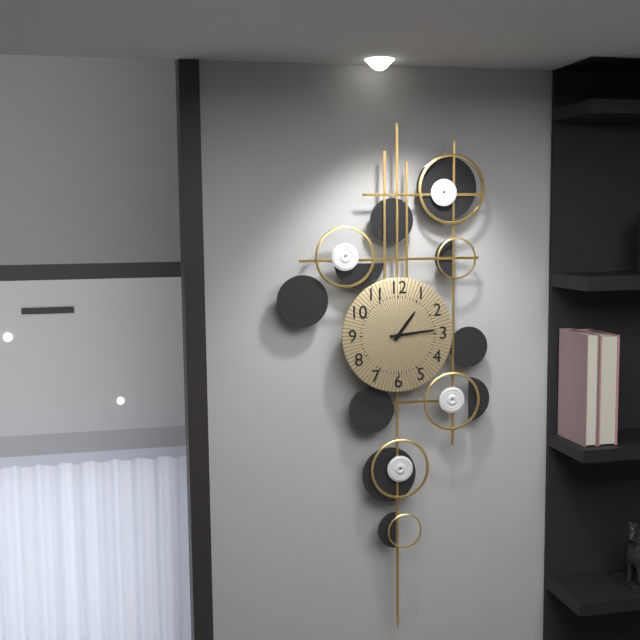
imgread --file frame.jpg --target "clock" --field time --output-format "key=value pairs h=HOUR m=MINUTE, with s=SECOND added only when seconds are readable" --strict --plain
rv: h=1 m=14
